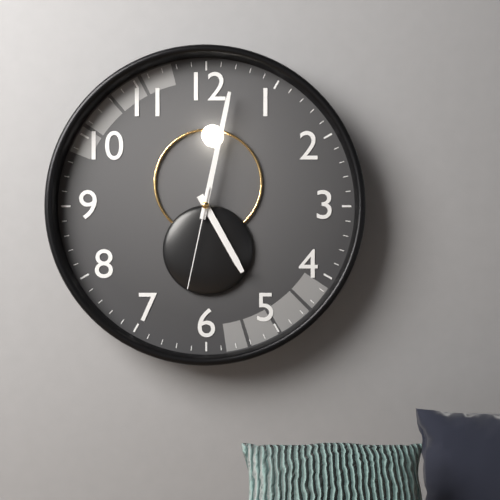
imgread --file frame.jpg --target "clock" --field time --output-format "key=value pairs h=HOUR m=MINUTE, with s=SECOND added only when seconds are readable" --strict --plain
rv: h=5 m=2 s=32
